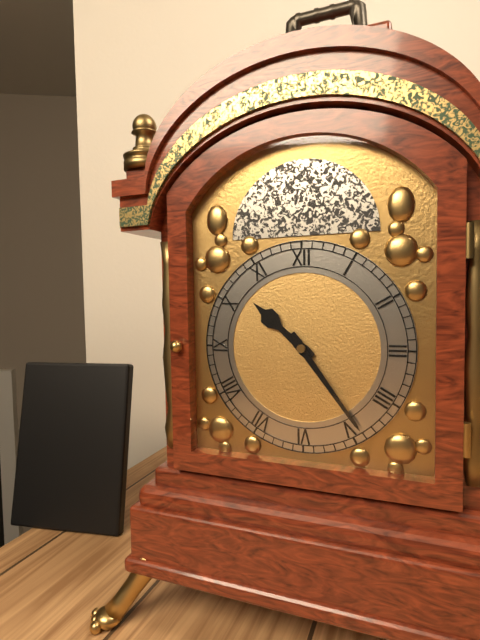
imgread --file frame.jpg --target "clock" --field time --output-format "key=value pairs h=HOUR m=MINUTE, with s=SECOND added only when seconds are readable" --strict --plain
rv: h=10 m=24
